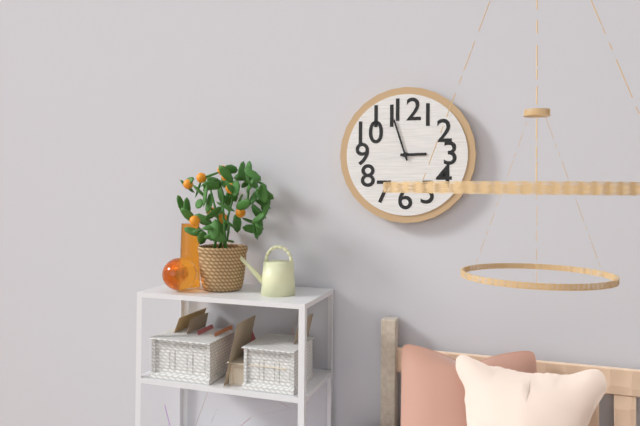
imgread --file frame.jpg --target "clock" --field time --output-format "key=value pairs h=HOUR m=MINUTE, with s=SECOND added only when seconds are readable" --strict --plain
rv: h=2 m=57
